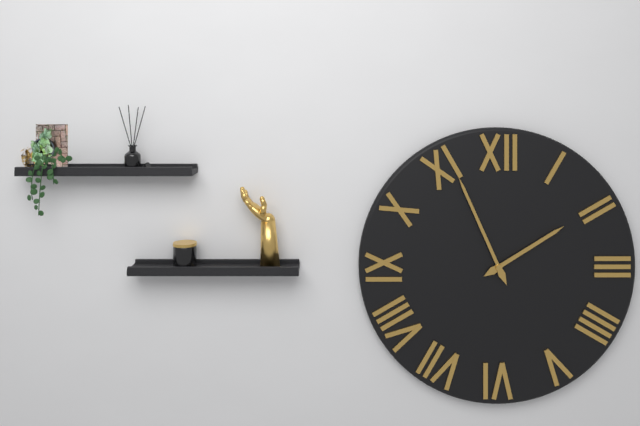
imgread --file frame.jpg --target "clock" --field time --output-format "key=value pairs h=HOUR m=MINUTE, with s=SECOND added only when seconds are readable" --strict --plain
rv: h=1 m=56
